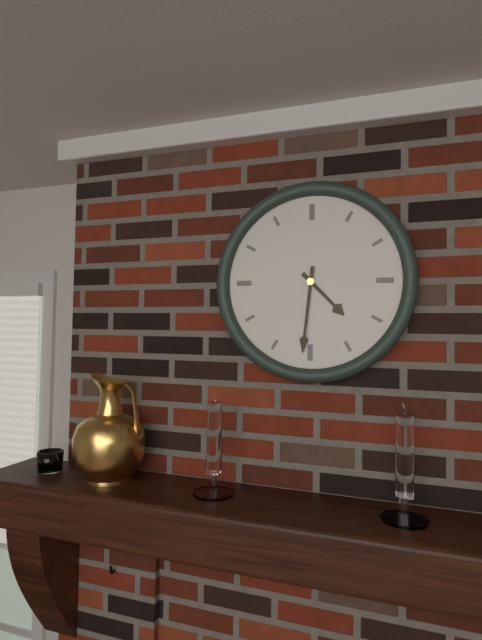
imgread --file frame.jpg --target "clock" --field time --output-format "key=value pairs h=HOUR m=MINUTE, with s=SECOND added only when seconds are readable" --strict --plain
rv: h=4 m=31
